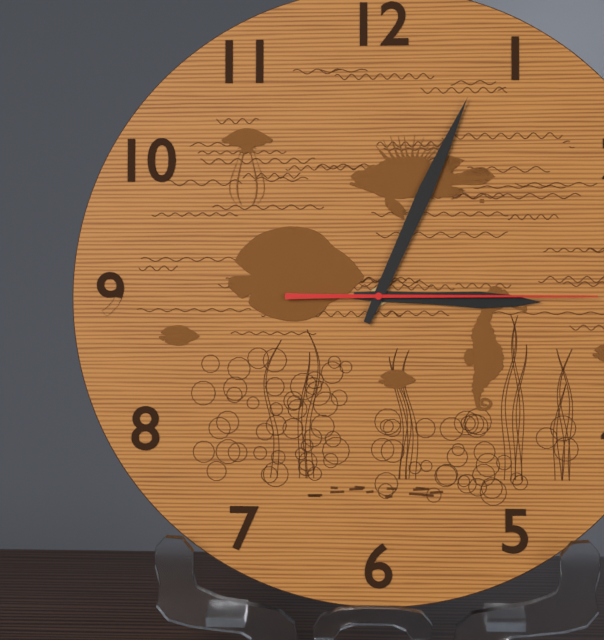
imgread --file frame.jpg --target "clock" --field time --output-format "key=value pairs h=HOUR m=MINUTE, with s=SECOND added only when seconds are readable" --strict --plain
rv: h=3 m=4 s=15
